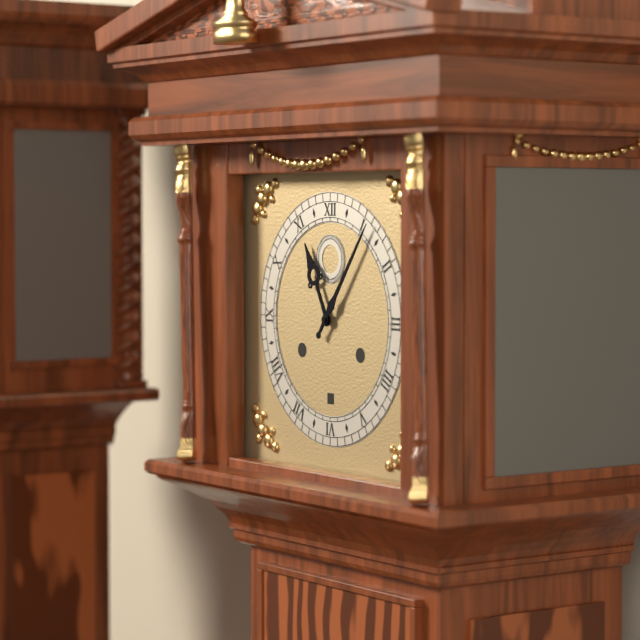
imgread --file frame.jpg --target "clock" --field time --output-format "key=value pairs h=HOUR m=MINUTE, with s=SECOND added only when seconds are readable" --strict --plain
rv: h=11 m=6
